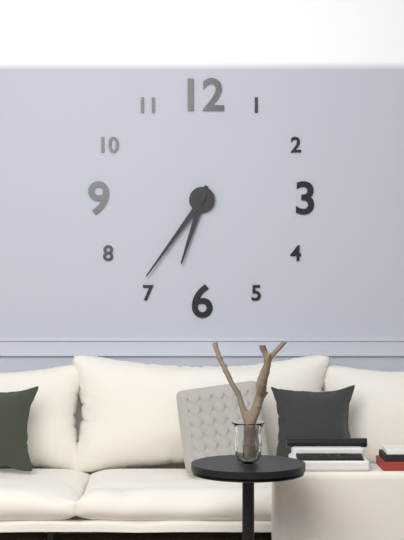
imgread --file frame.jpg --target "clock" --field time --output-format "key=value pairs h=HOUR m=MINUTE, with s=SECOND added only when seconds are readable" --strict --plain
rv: h=6 m=36
